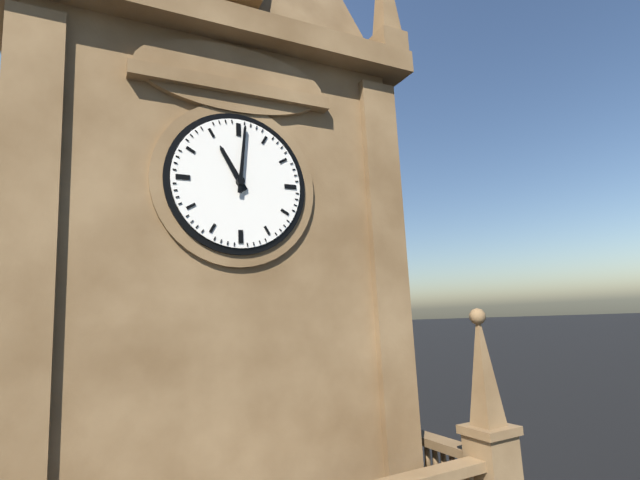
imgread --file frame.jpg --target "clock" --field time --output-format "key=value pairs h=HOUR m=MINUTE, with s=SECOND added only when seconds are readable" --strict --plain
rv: h=11 m=1
